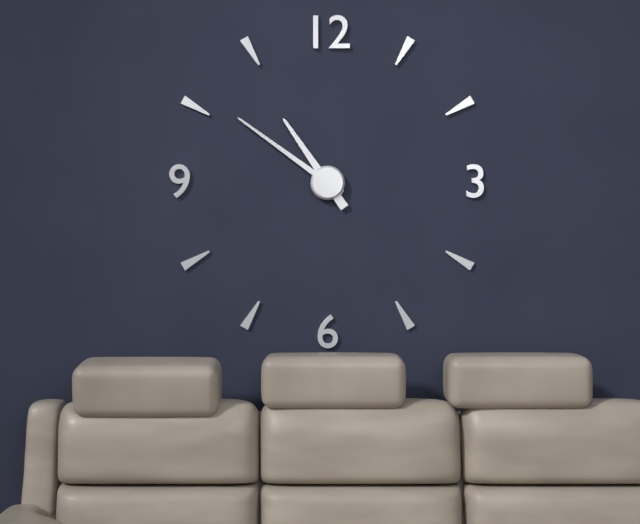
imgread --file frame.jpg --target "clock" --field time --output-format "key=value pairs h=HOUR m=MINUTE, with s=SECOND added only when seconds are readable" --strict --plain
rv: h=10 m=51
